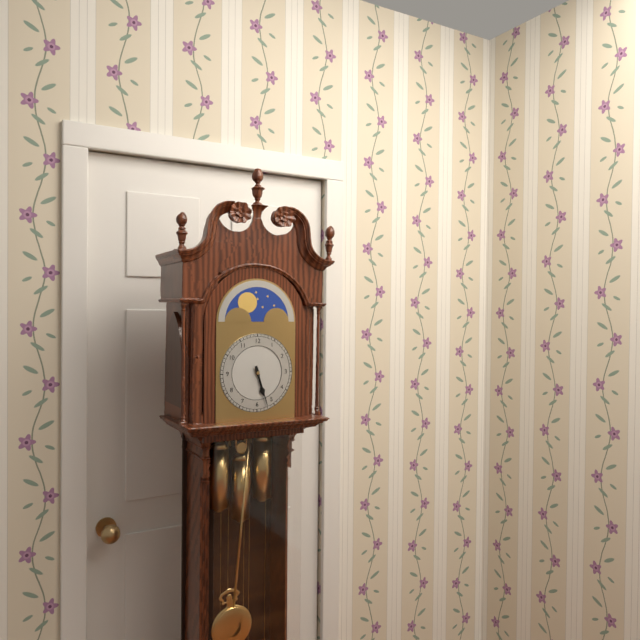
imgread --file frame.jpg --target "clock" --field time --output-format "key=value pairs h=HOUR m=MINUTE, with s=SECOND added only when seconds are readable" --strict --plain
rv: h=5 m=27
